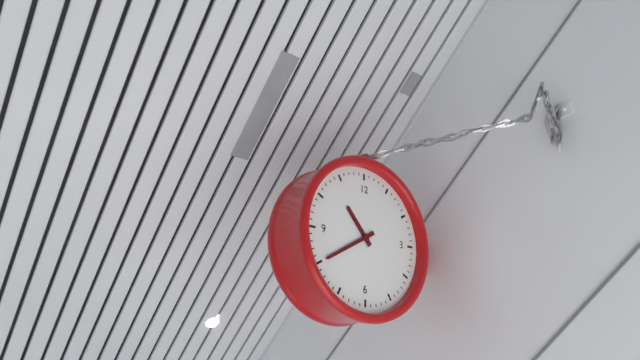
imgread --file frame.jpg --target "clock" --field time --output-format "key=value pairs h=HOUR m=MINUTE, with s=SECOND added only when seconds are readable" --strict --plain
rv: h=10 m=40
